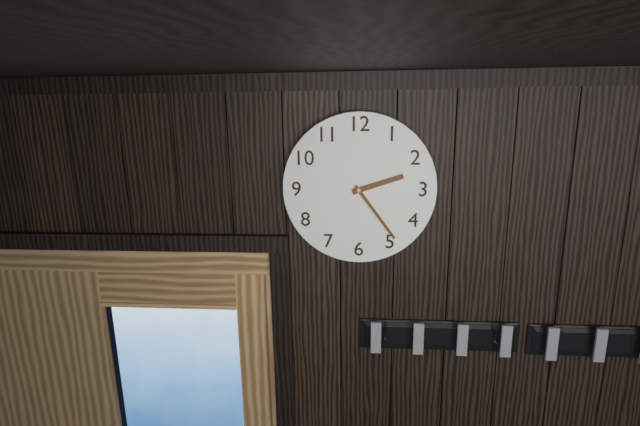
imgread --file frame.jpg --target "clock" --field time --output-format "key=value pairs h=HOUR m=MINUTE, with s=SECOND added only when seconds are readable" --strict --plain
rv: h=2 m=24
